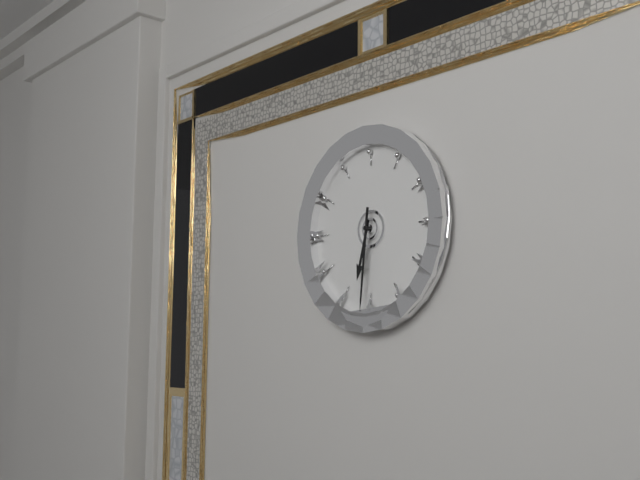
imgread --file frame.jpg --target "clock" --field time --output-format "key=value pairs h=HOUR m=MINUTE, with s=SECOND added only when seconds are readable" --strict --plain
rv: h=6 m=31
